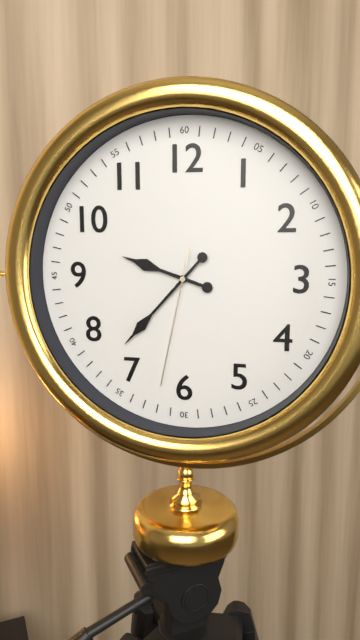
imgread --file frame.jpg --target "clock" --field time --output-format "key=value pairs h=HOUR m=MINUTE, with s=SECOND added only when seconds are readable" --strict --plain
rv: h=9 m=37 s=32
